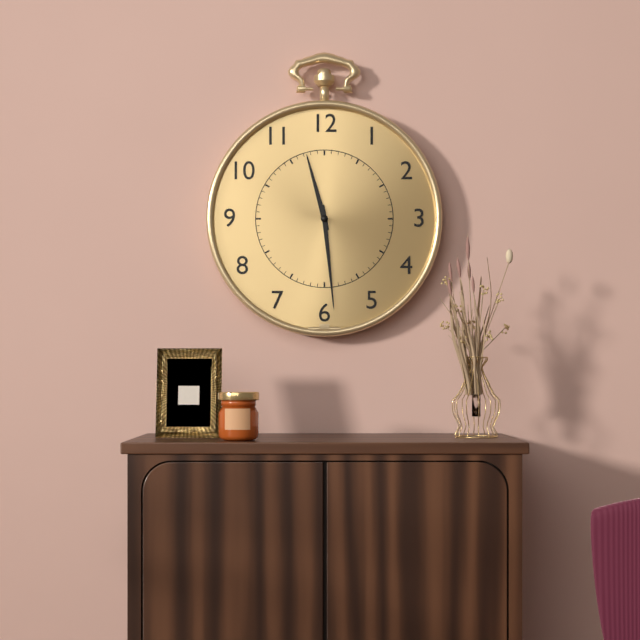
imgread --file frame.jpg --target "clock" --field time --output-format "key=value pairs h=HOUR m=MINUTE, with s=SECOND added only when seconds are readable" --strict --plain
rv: h=11 m=29
